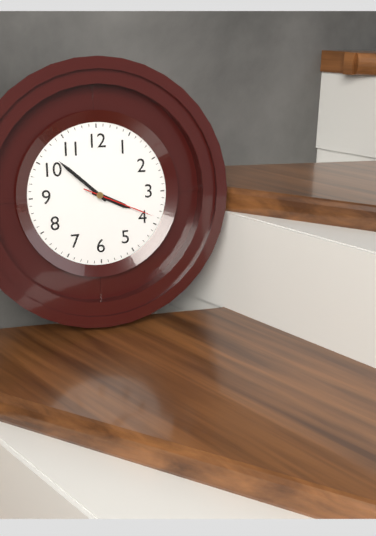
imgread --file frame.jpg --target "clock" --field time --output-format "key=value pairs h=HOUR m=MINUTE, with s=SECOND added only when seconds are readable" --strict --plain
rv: h=3 m=52 s=19
